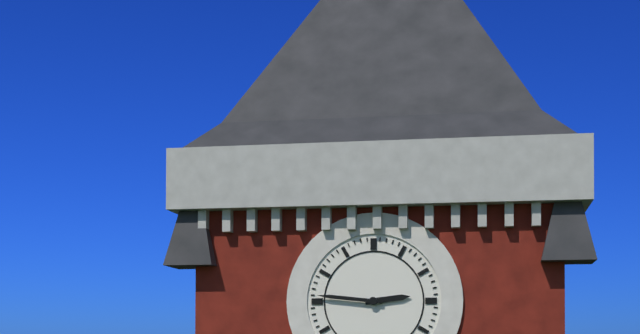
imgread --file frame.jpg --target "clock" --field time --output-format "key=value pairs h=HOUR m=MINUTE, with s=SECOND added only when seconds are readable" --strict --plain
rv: h=2 m=46
